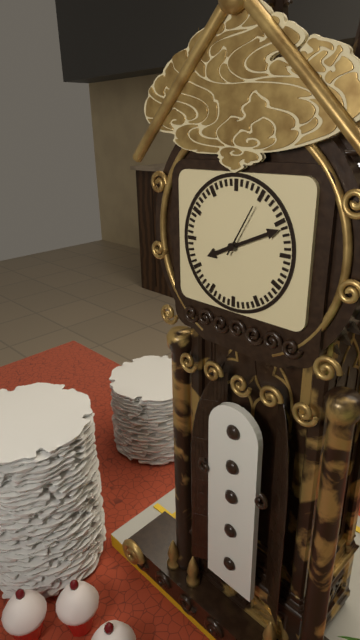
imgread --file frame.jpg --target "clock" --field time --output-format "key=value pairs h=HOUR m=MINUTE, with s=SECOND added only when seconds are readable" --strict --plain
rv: h=8 m=11 s=5
